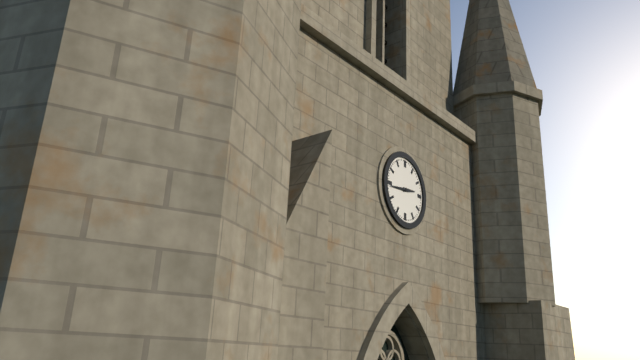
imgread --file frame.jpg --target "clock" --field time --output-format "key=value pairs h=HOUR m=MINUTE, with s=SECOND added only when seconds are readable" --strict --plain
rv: h=2 m=44
